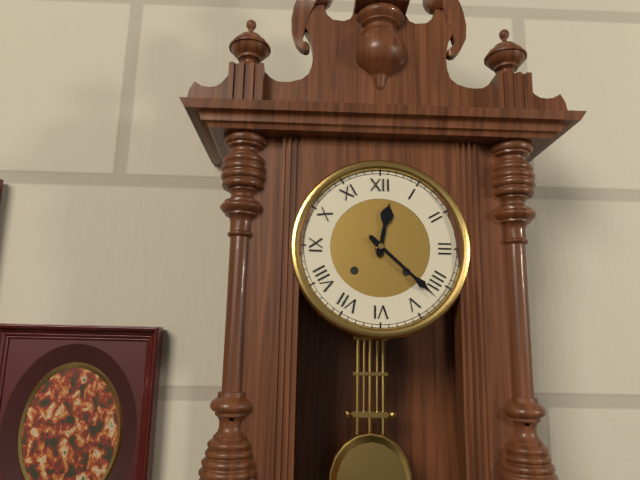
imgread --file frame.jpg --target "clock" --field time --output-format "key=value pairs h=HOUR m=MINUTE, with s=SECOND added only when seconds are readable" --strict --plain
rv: h=12 m=22
